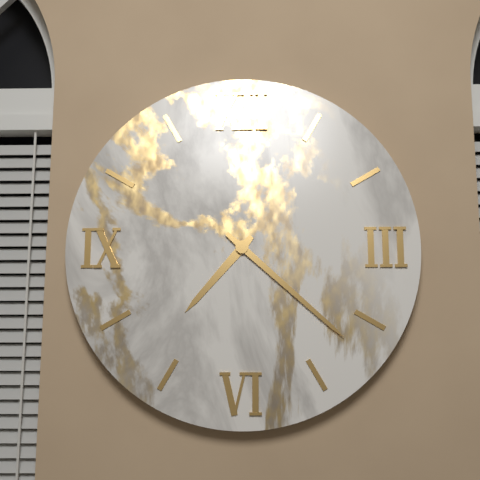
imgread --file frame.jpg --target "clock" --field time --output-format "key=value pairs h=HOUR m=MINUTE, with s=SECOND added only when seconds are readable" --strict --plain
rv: h=7 m=22
